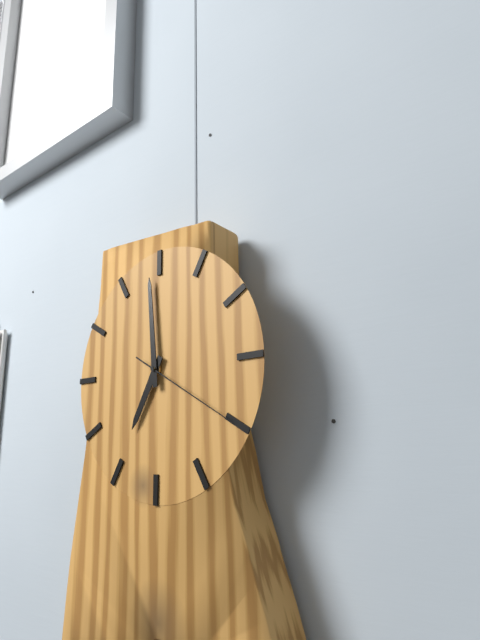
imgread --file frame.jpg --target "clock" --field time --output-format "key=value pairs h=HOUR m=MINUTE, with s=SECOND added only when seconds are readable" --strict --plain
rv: h=6 m=59 s=20
